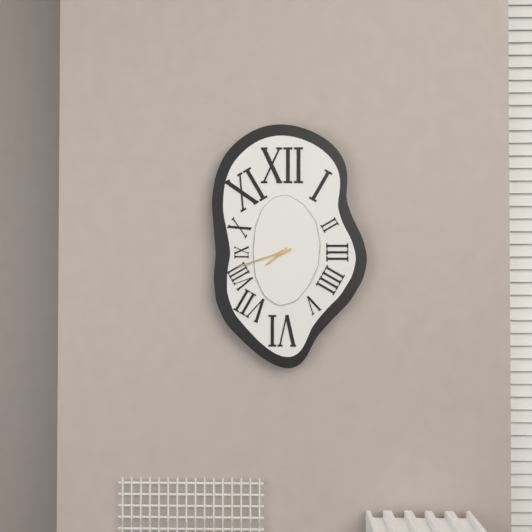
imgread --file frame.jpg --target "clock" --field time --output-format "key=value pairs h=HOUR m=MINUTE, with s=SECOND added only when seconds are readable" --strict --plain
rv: h=7 m=42
